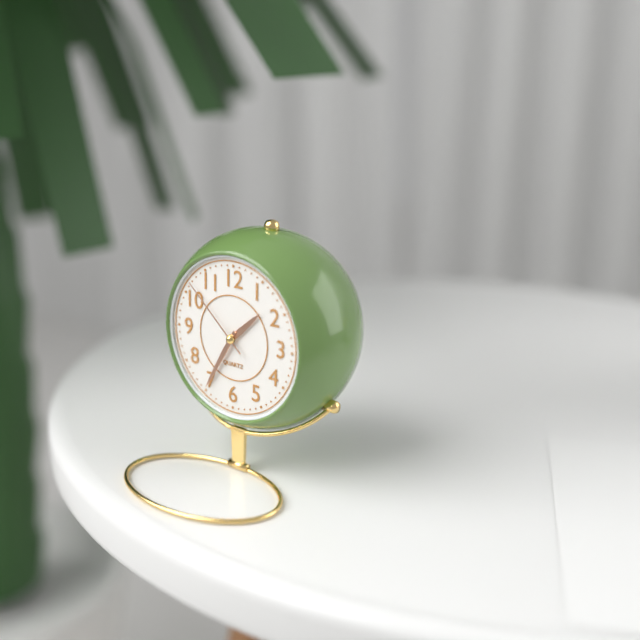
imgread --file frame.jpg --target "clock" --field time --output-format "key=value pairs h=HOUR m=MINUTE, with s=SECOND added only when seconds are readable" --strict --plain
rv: h=1 m=35 s=52
